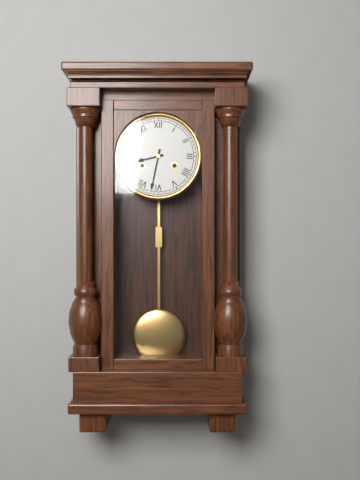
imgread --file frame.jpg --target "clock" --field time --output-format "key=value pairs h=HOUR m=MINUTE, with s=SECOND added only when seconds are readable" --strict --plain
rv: h=8 m=32
